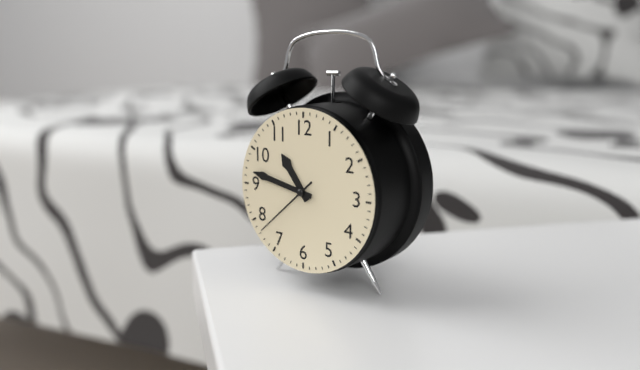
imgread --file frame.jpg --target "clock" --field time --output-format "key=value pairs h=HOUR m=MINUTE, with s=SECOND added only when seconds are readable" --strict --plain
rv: h=10 m=47 s=38
